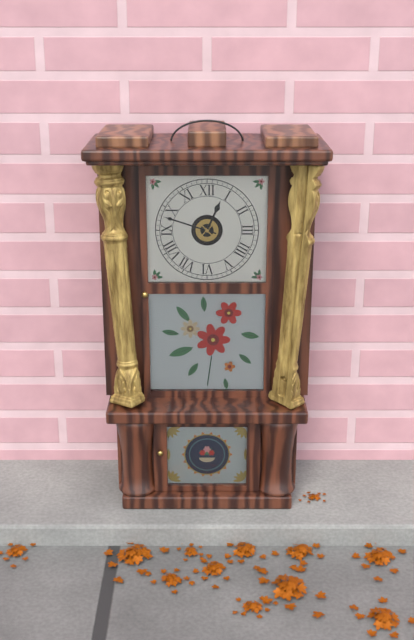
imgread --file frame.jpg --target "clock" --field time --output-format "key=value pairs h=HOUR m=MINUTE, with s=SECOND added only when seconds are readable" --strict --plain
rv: h=12 m=48
